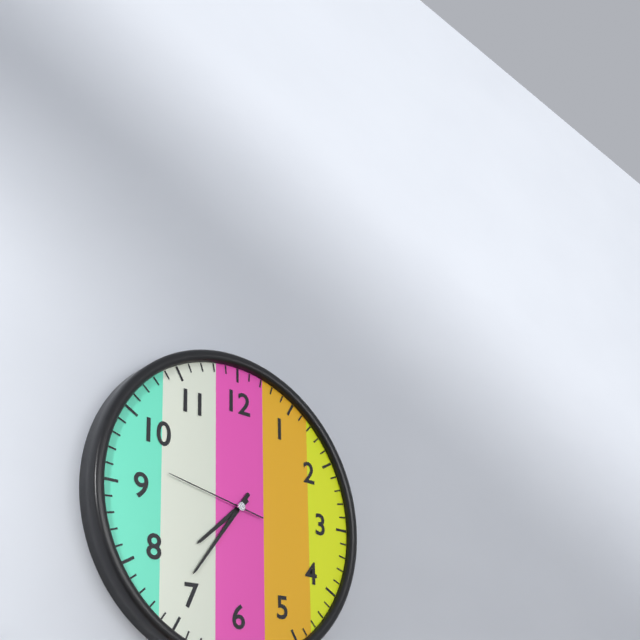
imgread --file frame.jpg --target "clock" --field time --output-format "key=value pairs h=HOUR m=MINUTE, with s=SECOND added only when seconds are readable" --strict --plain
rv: h=7 m=36 s=47
